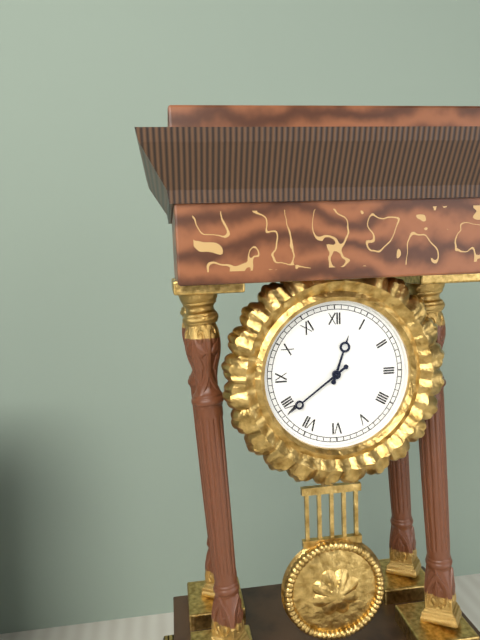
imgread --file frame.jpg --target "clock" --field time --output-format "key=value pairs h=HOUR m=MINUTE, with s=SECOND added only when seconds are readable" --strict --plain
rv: h=12 m=39
